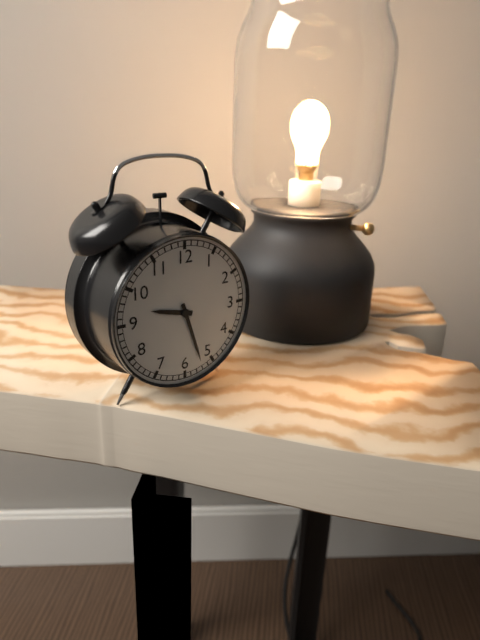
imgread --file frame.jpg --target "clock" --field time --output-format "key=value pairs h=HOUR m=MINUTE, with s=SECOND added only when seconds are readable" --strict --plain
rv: h=9 m=27
